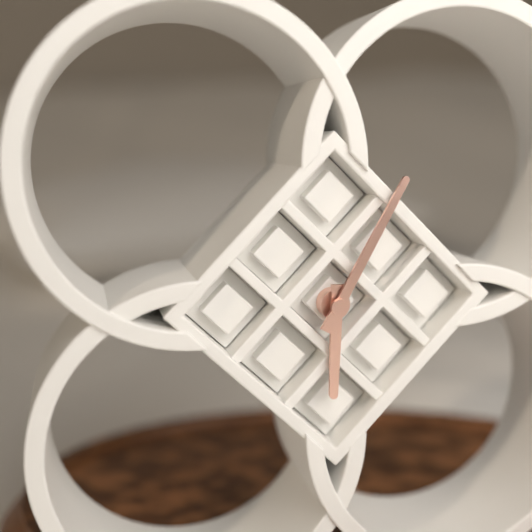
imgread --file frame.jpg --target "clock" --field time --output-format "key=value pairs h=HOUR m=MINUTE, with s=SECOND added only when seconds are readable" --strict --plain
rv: h=6 m=5
